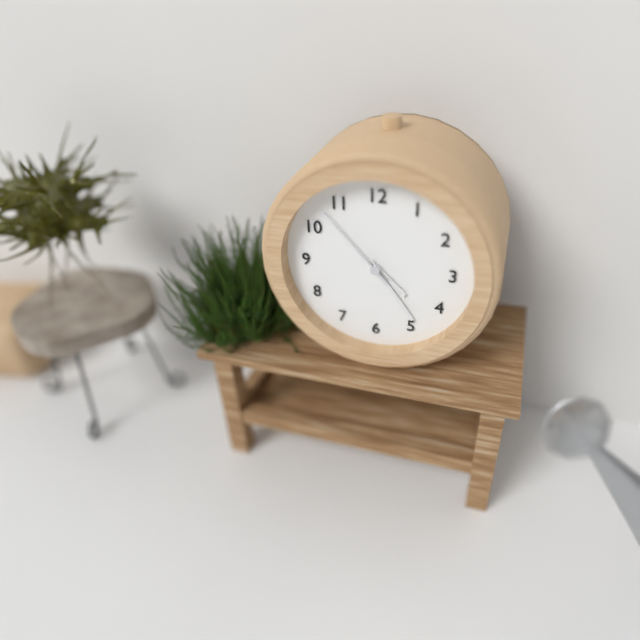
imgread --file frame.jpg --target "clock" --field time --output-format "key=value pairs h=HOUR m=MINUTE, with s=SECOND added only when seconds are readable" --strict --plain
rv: h=4 m=24 s=53
